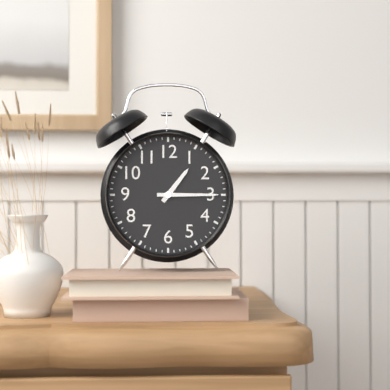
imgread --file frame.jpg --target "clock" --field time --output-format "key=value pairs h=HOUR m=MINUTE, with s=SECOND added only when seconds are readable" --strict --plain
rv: h=1 m=15
